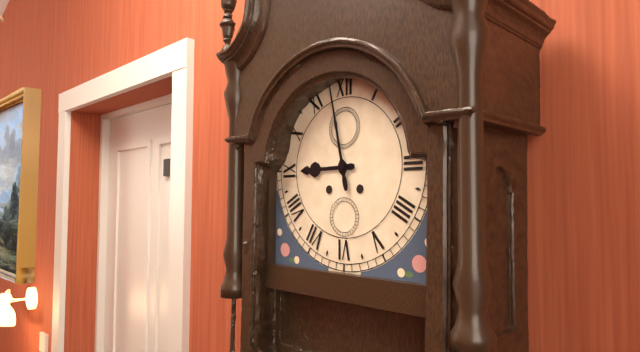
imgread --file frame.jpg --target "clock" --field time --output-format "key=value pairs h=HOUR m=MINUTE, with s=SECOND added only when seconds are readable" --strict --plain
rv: h=8 m=58
